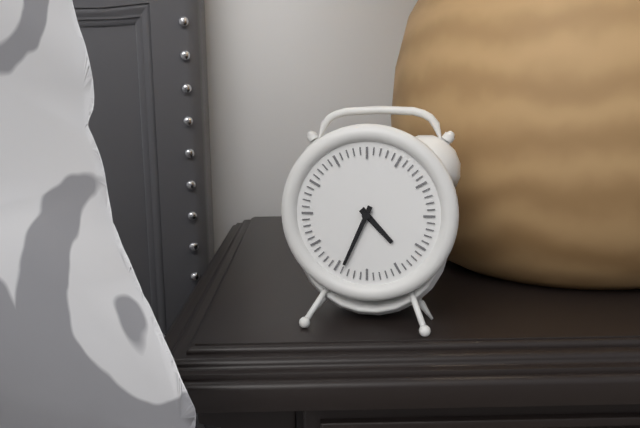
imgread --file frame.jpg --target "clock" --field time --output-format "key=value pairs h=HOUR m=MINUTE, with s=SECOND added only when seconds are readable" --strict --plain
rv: h=4 m=34
